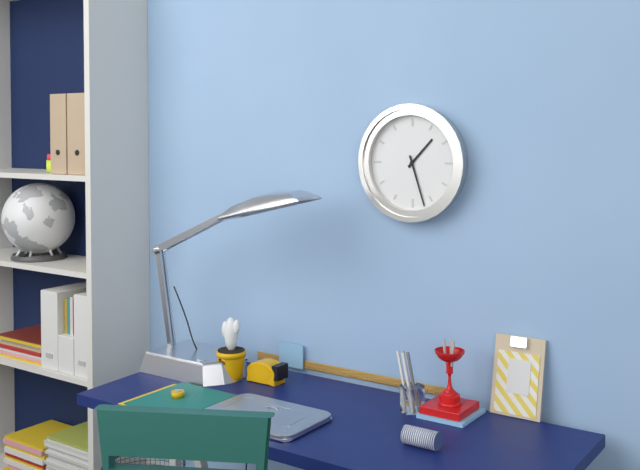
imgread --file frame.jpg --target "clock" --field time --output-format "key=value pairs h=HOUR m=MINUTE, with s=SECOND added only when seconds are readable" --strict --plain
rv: h=1 m=27
